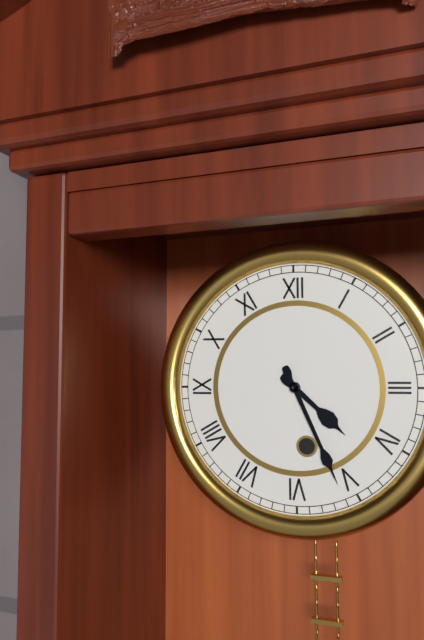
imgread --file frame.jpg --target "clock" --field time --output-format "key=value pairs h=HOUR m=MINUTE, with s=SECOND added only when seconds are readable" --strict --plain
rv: h=4 m=26
